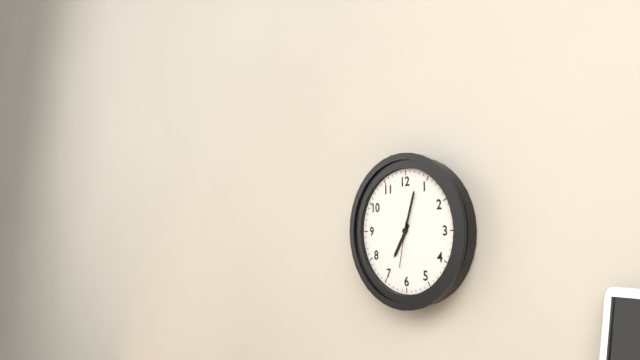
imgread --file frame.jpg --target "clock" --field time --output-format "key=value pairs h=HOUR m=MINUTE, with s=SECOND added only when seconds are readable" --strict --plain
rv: h=7 m=3
